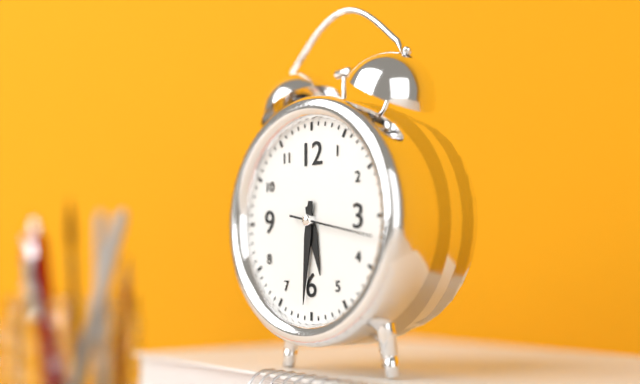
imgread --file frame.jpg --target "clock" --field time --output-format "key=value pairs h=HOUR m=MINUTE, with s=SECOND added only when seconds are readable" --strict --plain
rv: h=5 m=31 s=17
